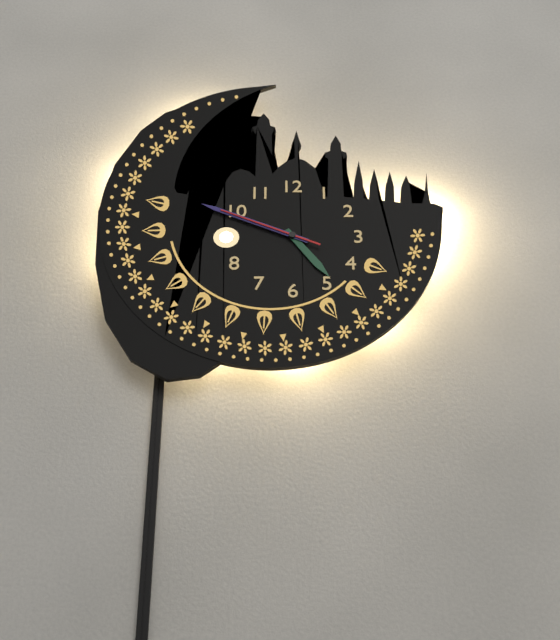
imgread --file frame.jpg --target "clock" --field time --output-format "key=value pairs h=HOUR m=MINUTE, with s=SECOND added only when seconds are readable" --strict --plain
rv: h=4 m=49 s=49
